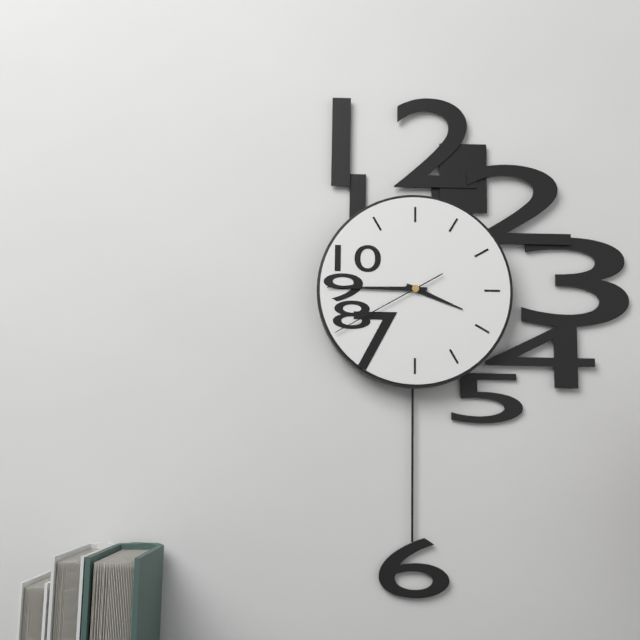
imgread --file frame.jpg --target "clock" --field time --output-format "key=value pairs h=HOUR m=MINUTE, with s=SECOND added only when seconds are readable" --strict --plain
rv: h=3 m=45 s=40
